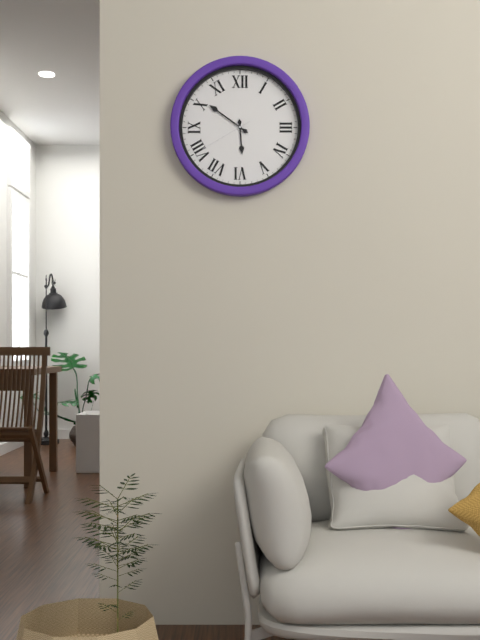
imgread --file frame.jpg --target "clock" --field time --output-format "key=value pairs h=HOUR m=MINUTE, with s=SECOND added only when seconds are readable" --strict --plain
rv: h=5 m=51 s=40
